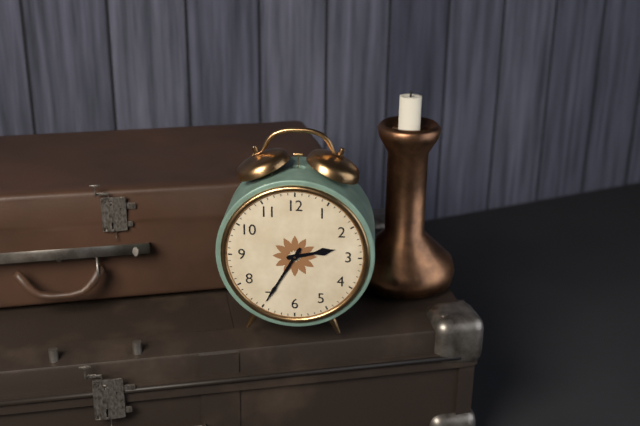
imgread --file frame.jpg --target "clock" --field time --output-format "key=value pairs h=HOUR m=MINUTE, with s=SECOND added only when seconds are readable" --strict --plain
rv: h=2 m=35
